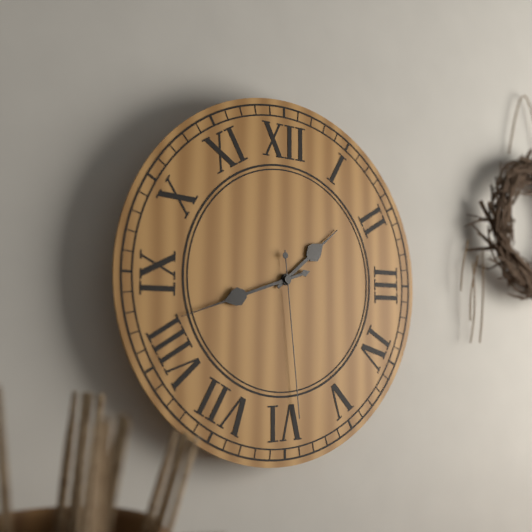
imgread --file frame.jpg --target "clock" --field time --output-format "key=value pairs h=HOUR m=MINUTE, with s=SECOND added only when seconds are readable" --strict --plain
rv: h=1 m=42 s=29
